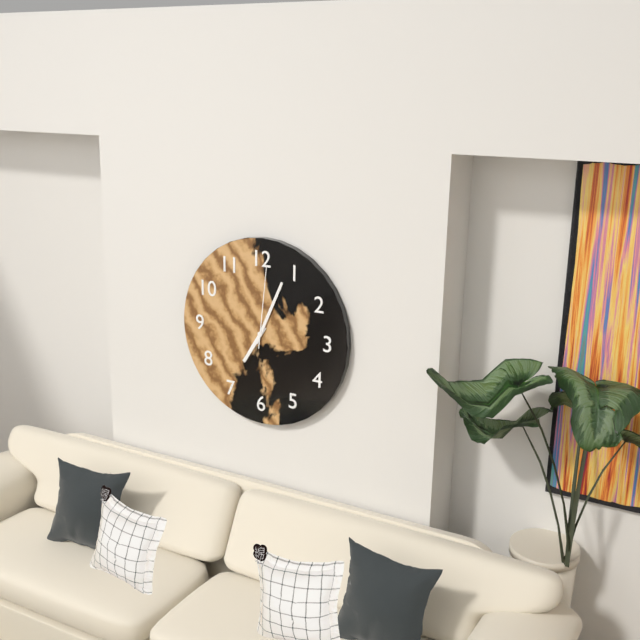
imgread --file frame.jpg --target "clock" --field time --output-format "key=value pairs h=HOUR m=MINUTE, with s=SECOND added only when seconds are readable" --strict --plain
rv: h=7 m=4 s=1
